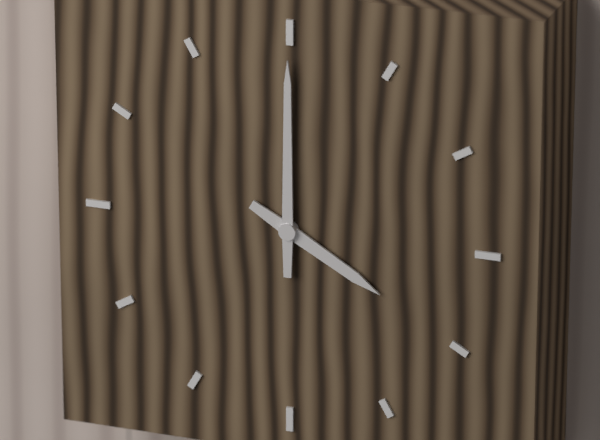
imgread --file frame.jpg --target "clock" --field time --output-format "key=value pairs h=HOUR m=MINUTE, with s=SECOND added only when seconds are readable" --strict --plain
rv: h=4 m=0
